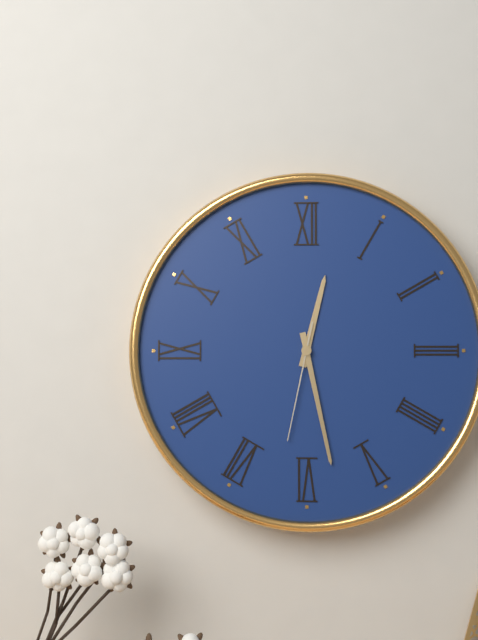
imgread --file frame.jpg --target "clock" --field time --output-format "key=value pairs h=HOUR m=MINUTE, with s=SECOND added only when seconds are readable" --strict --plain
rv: h=12 m=28 s=32
